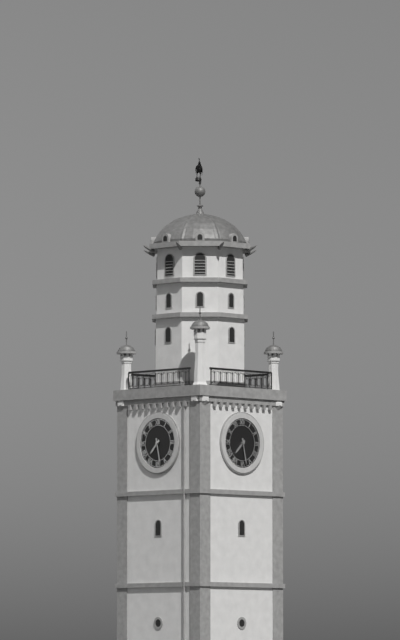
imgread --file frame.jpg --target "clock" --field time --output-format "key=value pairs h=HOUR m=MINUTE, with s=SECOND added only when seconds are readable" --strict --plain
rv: h=7 m=28
